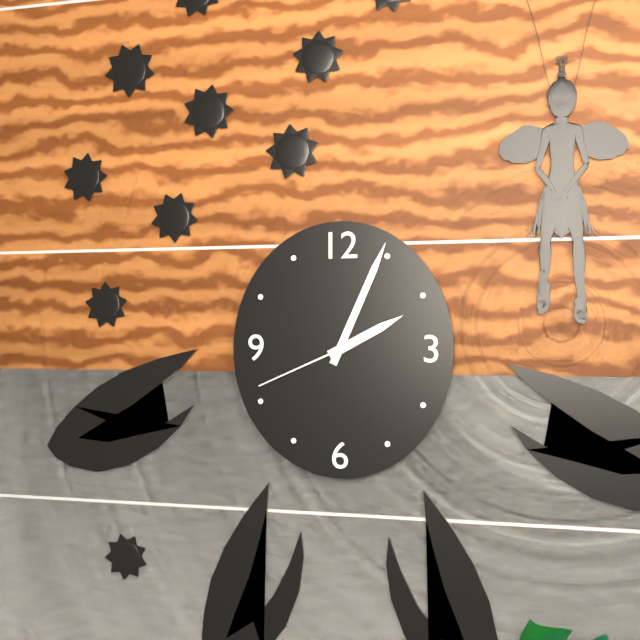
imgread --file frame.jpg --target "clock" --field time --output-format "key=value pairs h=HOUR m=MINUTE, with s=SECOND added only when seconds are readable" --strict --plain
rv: h=2 m=4 s=41
